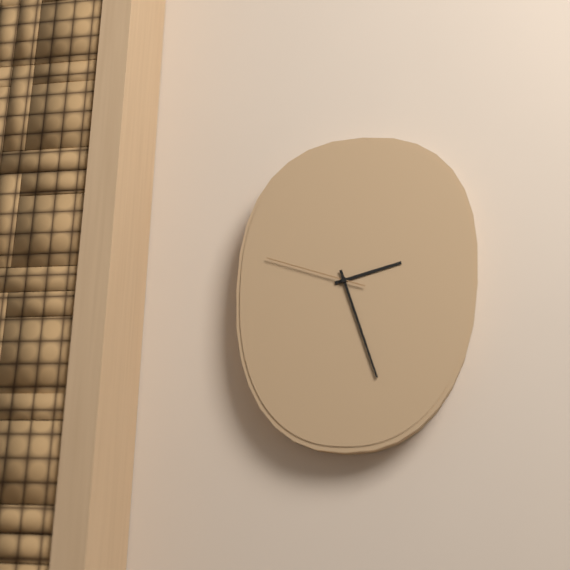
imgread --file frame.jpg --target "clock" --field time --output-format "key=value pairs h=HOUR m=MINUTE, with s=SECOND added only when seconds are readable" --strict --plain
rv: h=2 m=27 s=48
